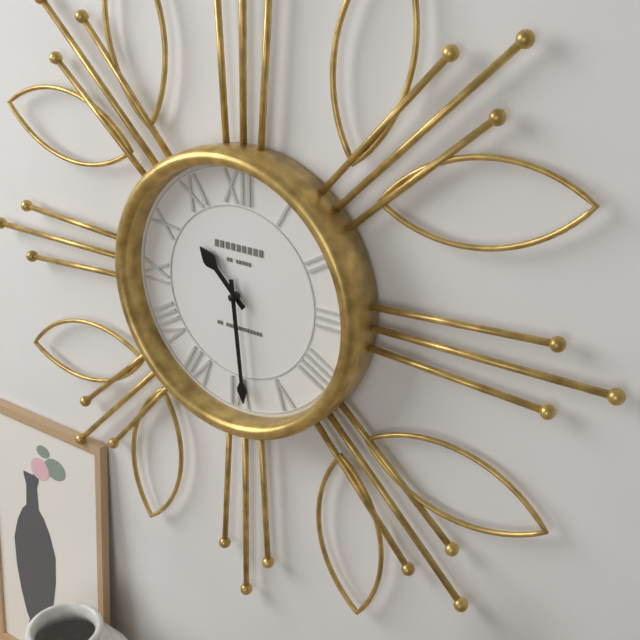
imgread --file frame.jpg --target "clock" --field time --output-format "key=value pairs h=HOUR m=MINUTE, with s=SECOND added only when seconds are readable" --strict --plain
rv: h=10 m=29
